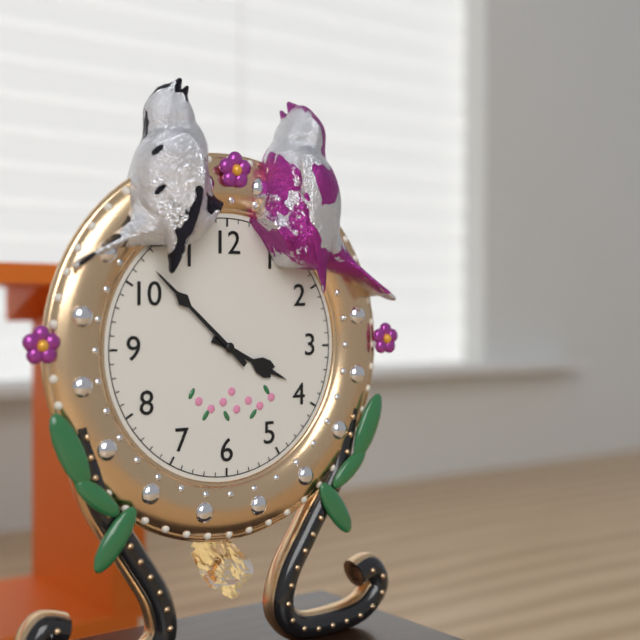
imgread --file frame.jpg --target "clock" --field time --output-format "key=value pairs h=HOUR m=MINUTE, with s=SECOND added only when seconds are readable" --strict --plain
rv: h=3 m=52
